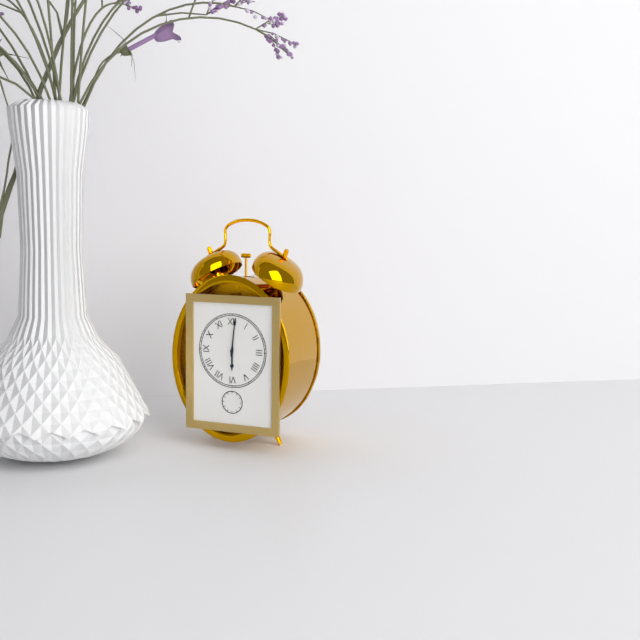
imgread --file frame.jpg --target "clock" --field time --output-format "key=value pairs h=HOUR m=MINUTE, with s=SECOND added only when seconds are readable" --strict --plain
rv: h=6 m=1
